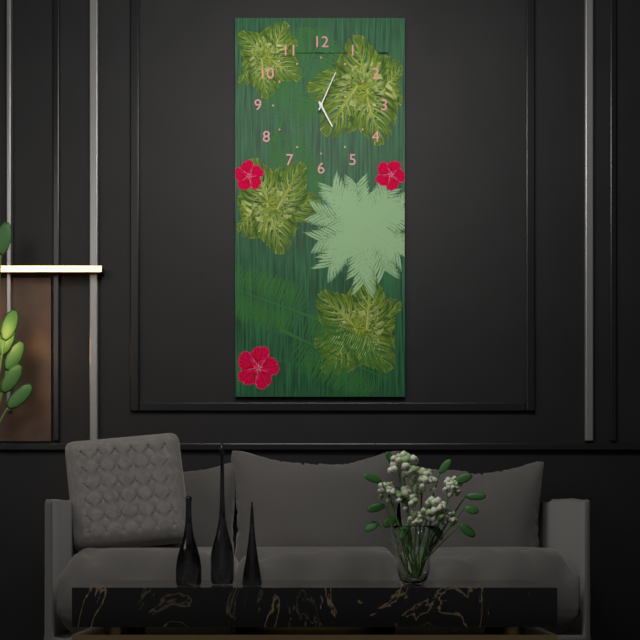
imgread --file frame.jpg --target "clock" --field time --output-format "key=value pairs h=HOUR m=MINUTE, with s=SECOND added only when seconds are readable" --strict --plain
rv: h=5 m=4
